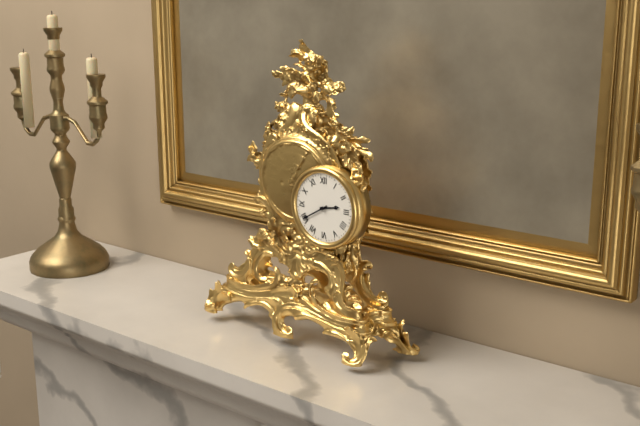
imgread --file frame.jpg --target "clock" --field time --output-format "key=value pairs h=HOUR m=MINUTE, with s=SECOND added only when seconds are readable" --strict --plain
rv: h=2 m=40
